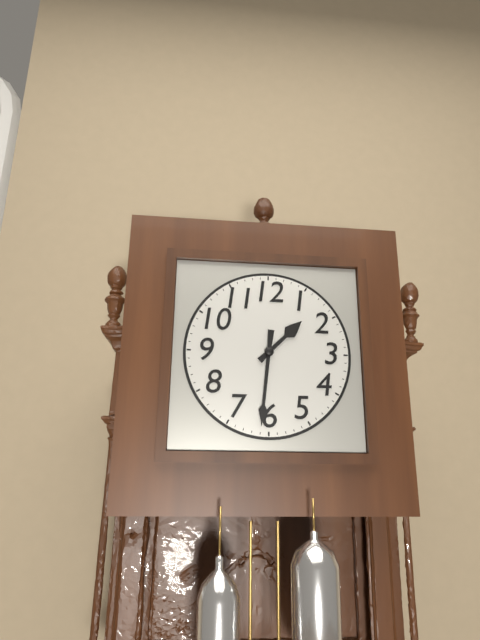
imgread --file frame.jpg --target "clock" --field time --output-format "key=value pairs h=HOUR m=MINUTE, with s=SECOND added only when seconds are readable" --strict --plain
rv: h=1 m=31
